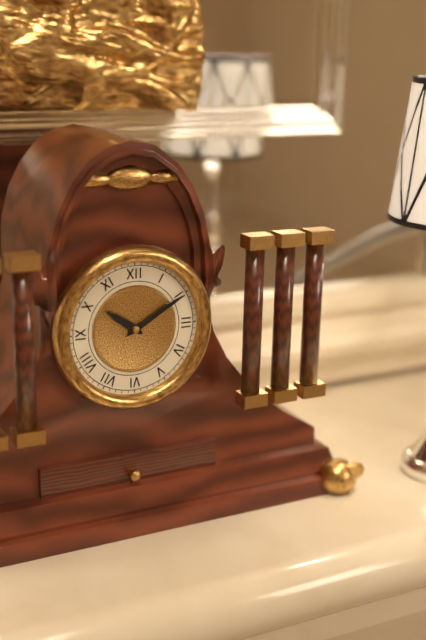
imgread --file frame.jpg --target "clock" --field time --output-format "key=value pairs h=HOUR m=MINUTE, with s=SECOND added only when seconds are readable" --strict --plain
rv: h=10 m=10
